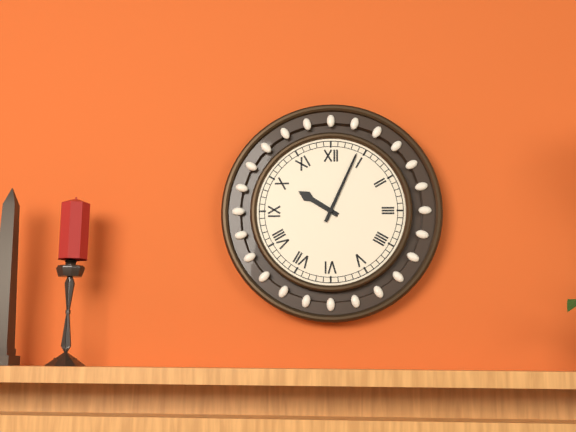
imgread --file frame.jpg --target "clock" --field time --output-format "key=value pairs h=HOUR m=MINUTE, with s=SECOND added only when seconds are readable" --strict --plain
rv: h=10 m=4
